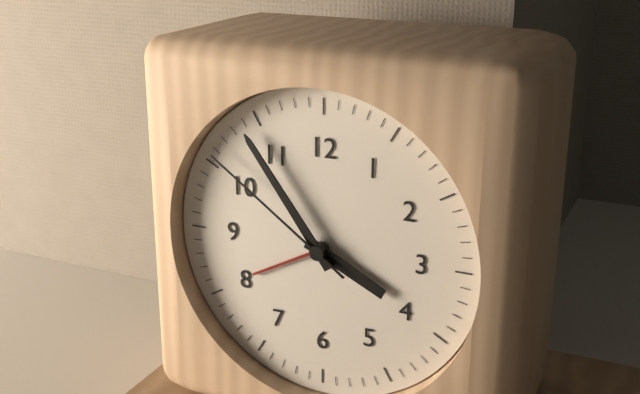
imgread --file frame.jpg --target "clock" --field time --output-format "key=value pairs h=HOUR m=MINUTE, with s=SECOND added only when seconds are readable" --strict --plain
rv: h=3 m=54 s=51
